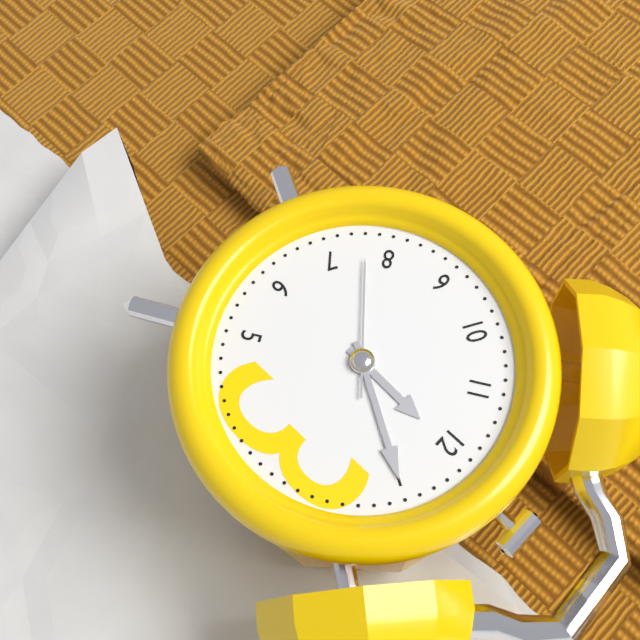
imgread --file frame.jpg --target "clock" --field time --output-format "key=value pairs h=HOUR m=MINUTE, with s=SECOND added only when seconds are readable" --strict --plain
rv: h=12 m=5 s=38
